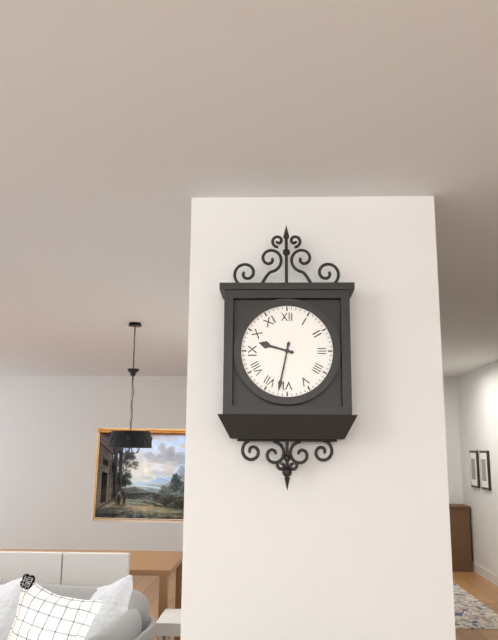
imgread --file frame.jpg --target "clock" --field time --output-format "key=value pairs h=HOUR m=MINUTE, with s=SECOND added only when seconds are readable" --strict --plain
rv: h=9 m=32
